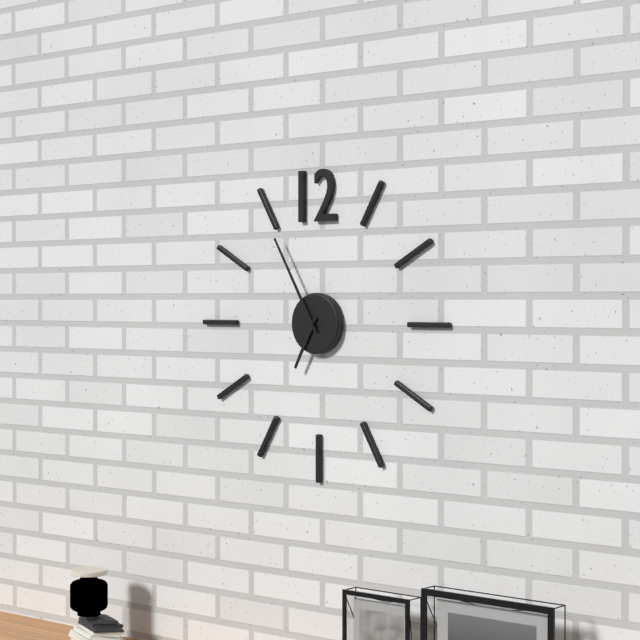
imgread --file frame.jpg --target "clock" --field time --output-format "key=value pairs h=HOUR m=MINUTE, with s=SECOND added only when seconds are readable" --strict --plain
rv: h=6 m=55
